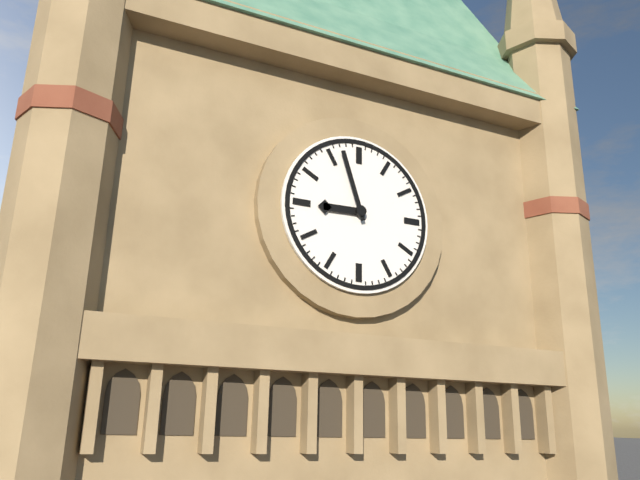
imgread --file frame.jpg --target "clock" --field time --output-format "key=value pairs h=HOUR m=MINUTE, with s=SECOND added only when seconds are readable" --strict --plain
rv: h=8 m=57
